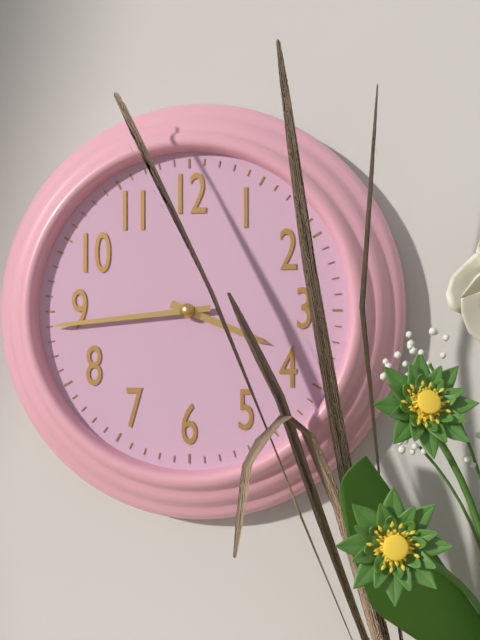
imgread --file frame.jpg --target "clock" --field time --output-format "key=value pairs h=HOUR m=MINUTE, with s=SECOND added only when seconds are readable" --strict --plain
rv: h=3 m=44
